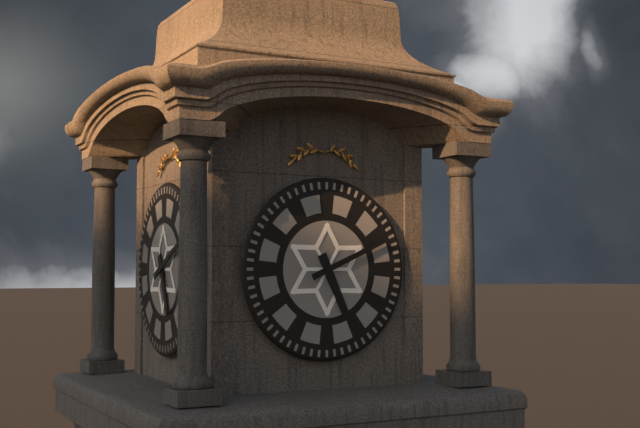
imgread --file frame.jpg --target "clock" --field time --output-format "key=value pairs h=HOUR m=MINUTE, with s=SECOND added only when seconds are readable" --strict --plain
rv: h=5 m=11
